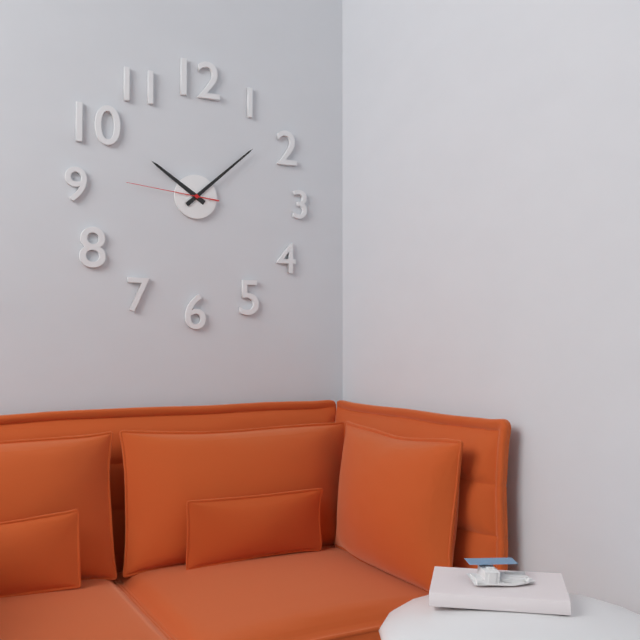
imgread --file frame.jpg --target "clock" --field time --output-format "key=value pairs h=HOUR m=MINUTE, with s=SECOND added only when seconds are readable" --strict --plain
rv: h=10 m=8 s=46
